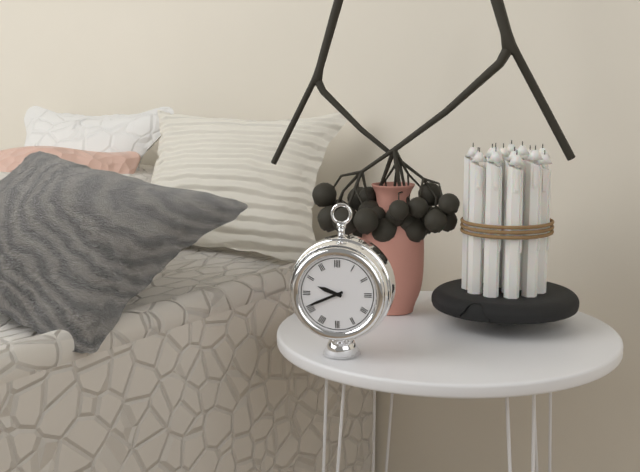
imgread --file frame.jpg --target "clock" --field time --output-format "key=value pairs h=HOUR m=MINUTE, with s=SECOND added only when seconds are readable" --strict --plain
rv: h=9 m=41
